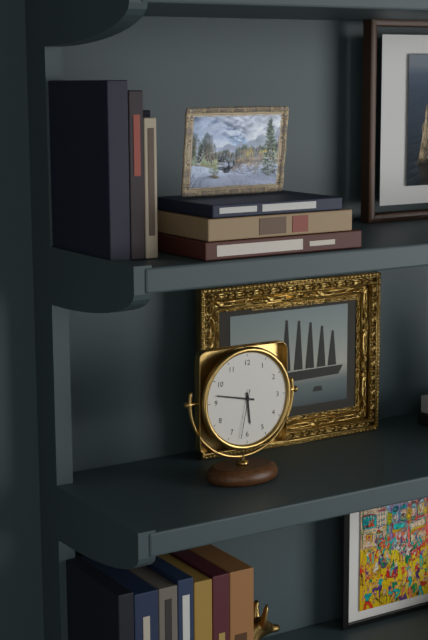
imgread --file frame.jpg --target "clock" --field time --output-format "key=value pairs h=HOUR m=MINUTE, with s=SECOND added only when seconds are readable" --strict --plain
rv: h=5 m=47 s=32
